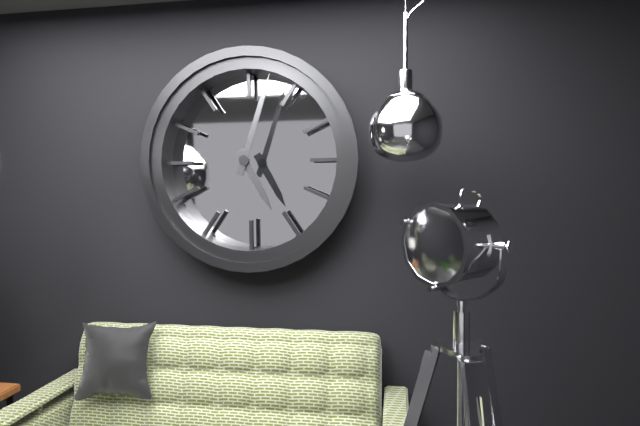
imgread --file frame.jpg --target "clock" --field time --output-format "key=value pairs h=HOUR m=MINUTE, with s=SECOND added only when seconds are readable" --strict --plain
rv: h=5 m=3
